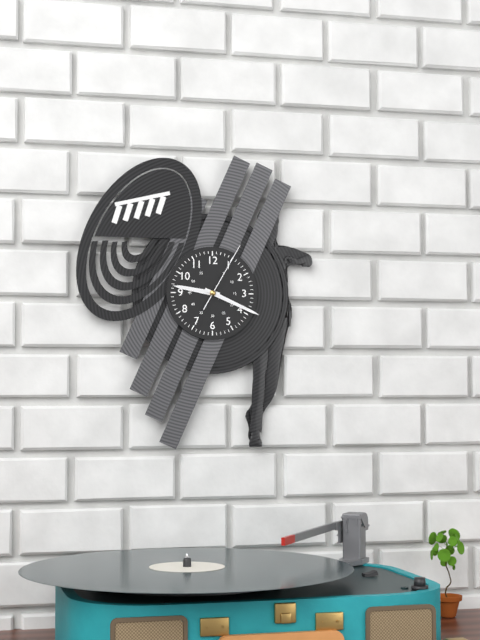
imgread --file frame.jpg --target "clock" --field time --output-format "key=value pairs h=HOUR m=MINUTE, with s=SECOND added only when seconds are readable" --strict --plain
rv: h=9 m=19 s=5
